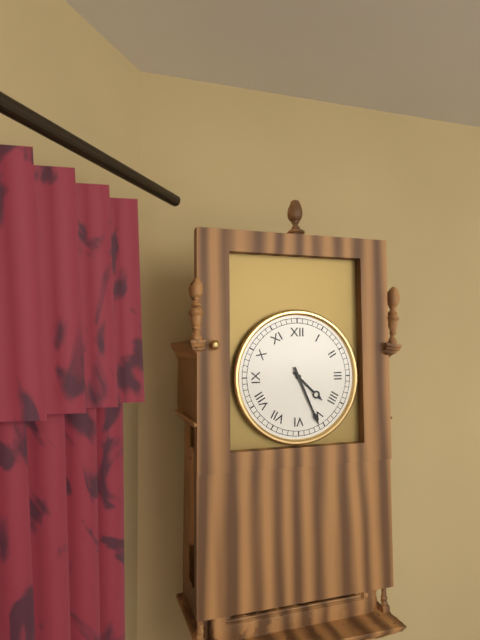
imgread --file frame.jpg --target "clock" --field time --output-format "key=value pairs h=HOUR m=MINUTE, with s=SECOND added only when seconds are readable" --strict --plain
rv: h=4 m=26
